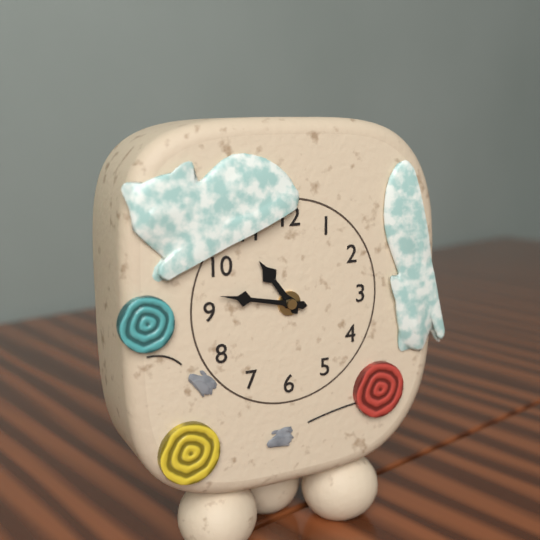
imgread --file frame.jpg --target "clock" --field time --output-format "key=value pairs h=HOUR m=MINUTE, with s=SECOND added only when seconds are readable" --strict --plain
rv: h=10 m=47
